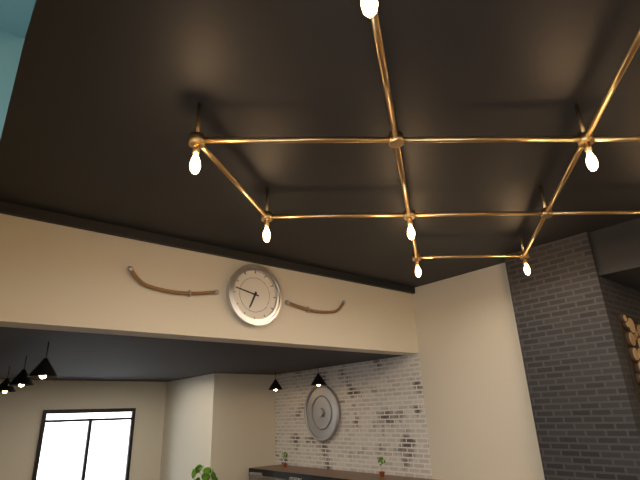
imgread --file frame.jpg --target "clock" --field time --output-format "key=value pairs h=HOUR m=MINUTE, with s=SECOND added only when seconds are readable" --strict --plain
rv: h=6 m=47
